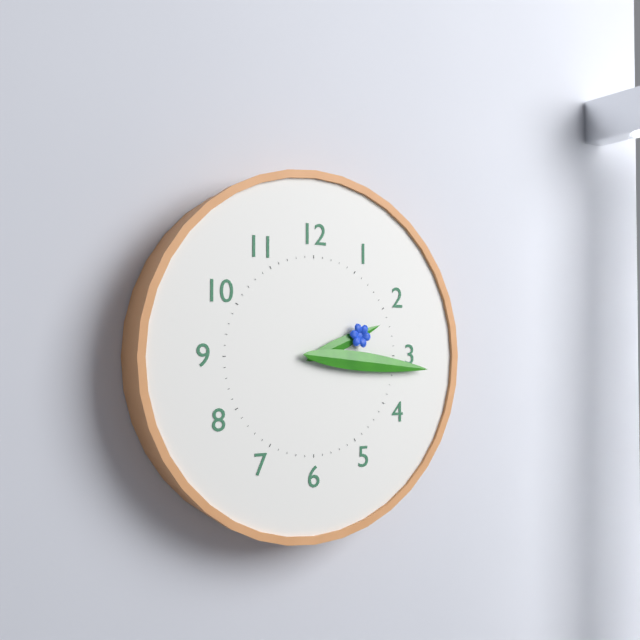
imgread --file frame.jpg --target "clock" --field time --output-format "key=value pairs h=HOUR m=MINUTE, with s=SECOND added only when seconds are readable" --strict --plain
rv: h=2 m=16
